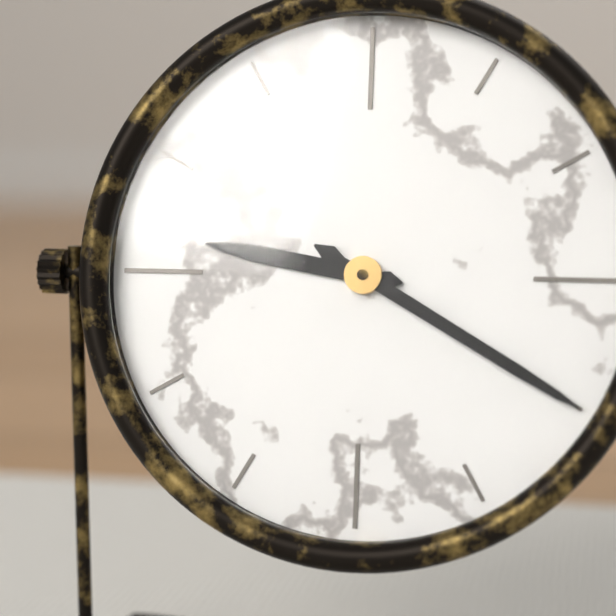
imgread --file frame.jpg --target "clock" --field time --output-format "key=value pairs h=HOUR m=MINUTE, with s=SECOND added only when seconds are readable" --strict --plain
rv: h=9 m=20
